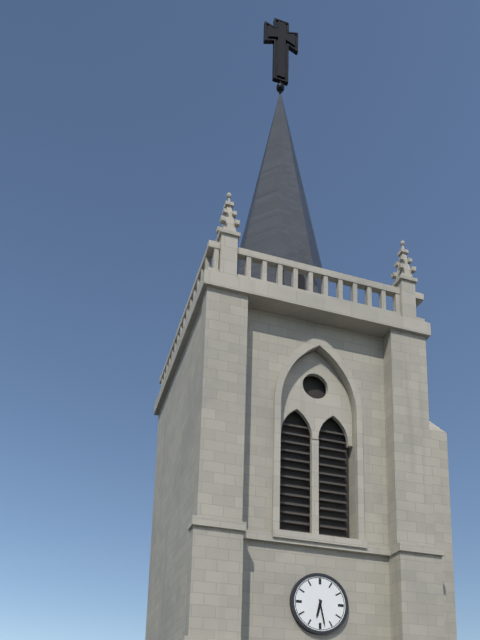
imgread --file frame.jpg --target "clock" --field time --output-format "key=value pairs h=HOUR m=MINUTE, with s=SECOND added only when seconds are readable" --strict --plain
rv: h=6 m=28
